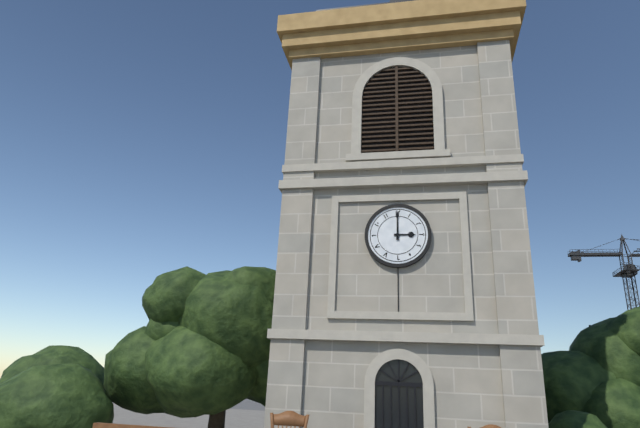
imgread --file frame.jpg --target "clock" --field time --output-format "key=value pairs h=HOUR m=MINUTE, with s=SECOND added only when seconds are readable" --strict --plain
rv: h=3 m=0
